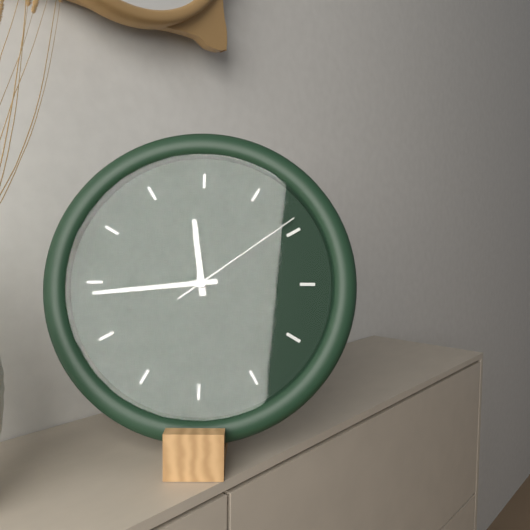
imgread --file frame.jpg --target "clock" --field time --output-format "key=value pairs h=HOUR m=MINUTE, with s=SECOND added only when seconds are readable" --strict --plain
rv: h=11 m=44 s=9
